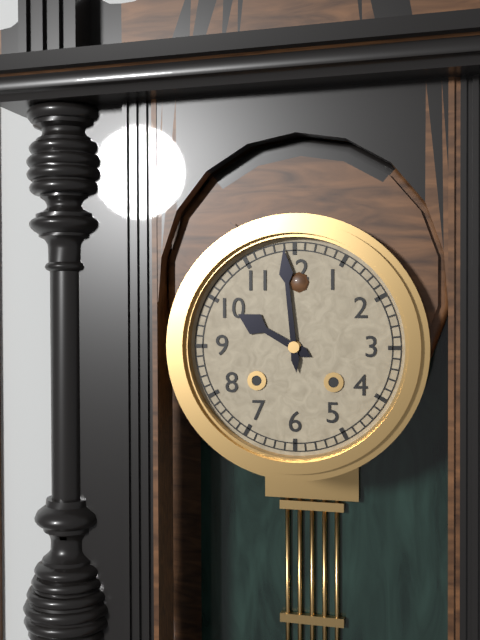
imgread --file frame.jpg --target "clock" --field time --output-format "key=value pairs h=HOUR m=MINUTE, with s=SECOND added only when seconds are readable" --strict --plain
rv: h=9 m=59
